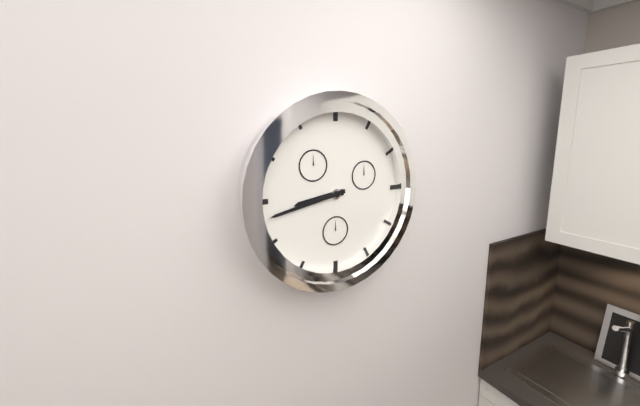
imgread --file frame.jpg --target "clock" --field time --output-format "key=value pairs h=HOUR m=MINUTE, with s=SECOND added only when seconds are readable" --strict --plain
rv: h=8 m=43
